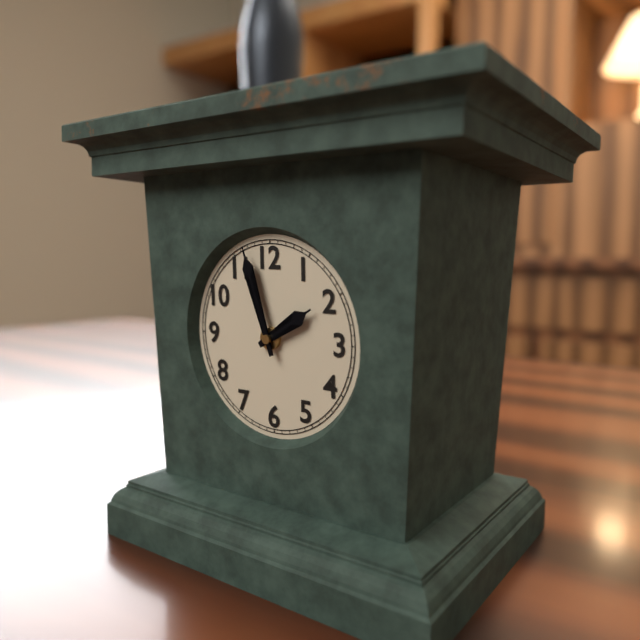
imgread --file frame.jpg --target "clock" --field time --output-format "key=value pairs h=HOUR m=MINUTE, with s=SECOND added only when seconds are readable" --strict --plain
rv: h=1 m=57
